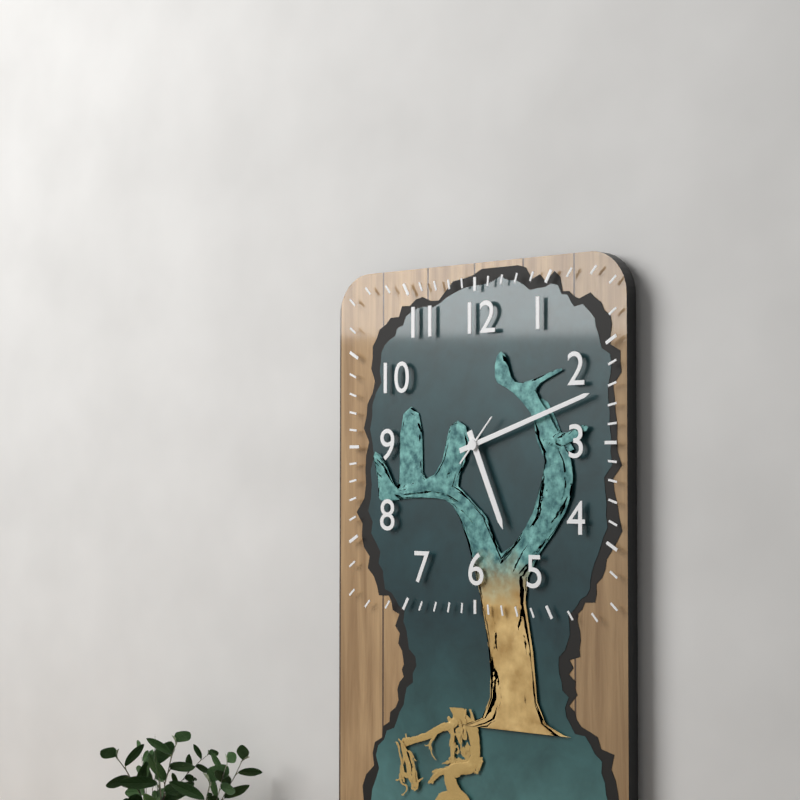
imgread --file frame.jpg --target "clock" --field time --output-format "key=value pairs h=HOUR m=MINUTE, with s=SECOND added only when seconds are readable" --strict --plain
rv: h=5 m=12
